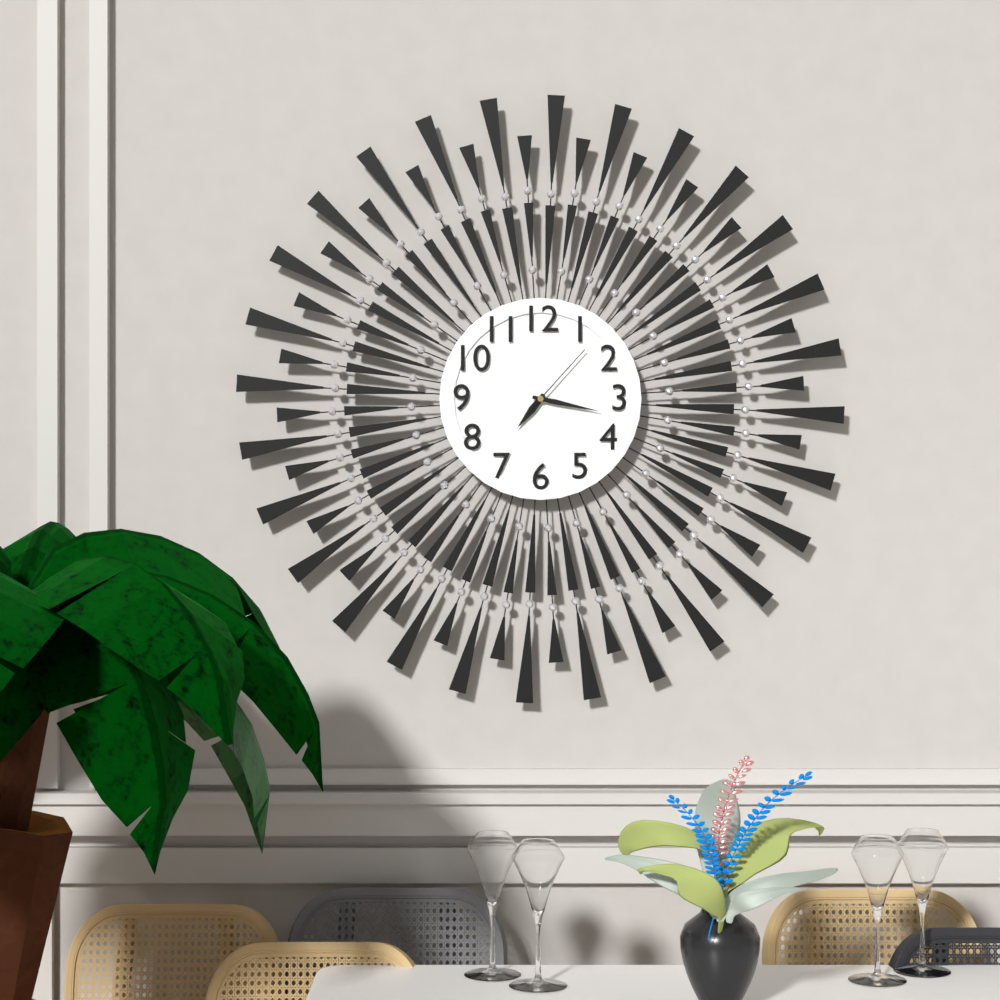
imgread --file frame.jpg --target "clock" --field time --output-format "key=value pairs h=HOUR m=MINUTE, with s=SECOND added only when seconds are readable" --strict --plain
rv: h=7 m=17 s=7
